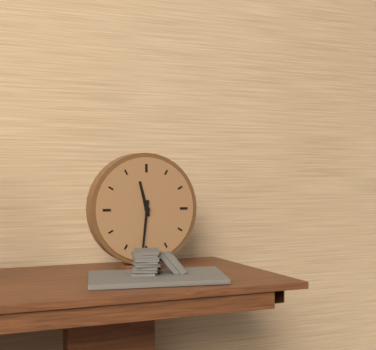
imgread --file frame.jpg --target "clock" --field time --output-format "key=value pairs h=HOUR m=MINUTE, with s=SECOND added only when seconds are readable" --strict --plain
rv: h=11 m=31
